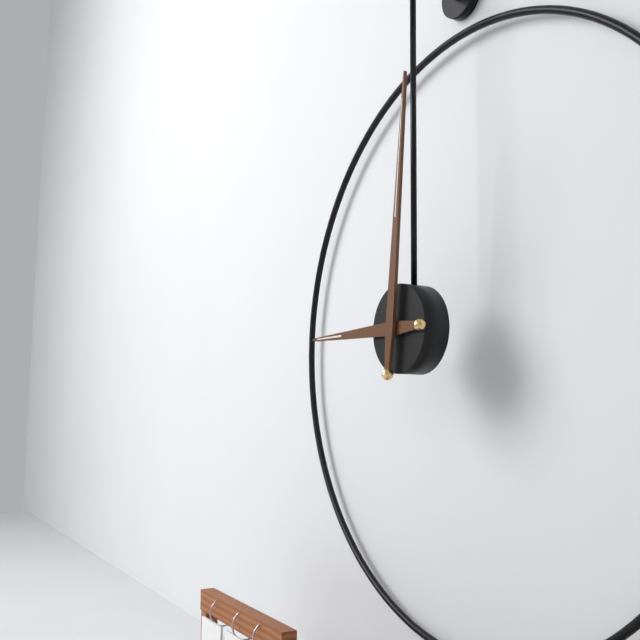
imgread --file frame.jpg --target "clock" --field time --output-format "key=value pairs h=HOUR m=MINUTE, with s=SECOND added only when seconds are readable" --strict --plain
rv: h=9 m=1
